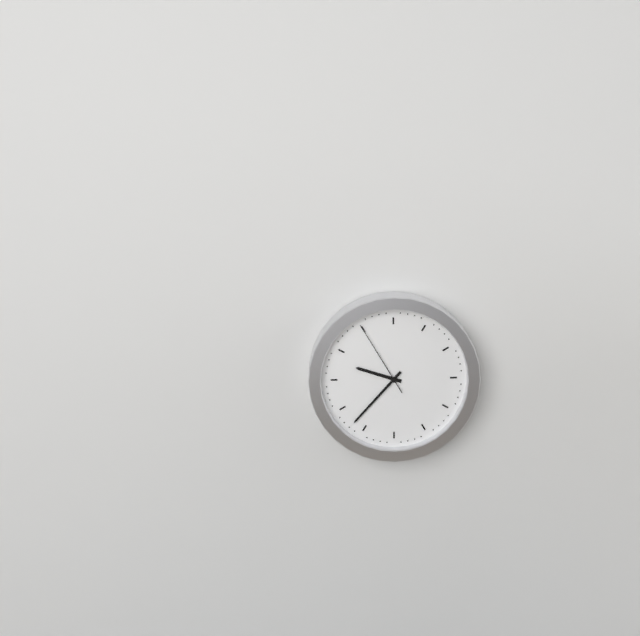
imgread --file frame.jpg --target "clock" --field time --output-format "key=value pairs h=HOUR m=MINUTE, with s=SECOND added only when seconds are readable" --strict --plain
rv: h=9 m=37 s=55
